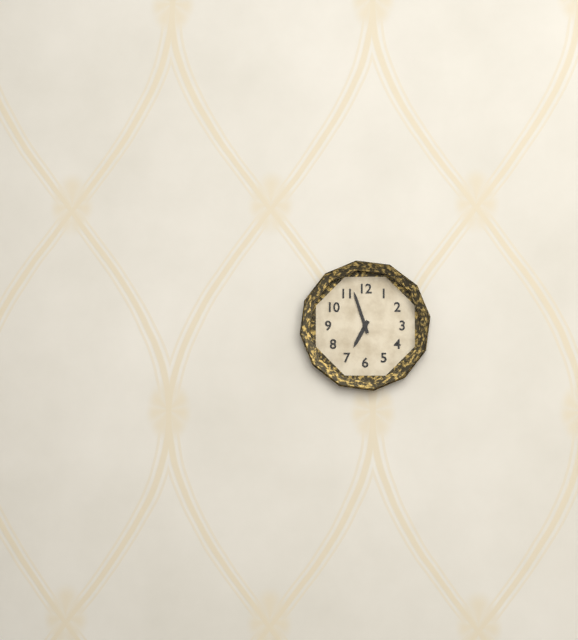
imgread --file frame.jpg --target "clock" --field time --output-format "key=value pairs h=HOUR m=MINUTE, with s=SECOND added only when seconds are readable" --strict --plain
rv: h=6 m=57
